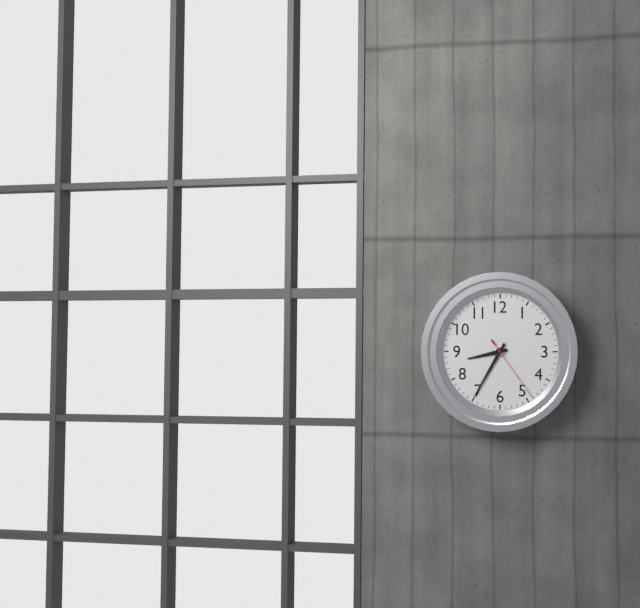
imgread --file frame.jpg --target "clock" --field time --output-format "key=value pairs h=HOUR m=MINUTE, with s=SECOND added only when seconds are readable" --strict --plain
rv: h=8 m=35 s=24
